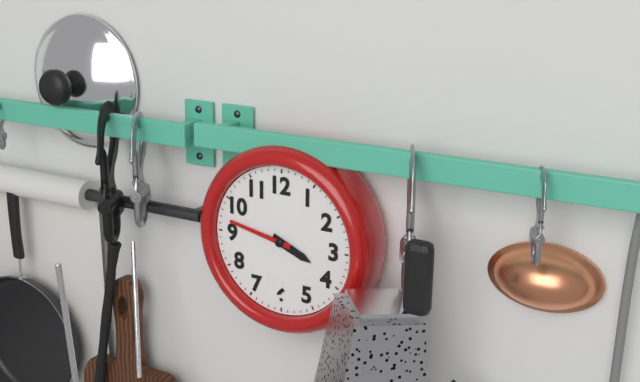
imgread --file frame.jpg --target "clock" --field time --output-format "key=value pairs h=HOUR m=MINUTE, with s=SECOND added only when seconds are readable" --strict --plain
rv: h=3 m=47
